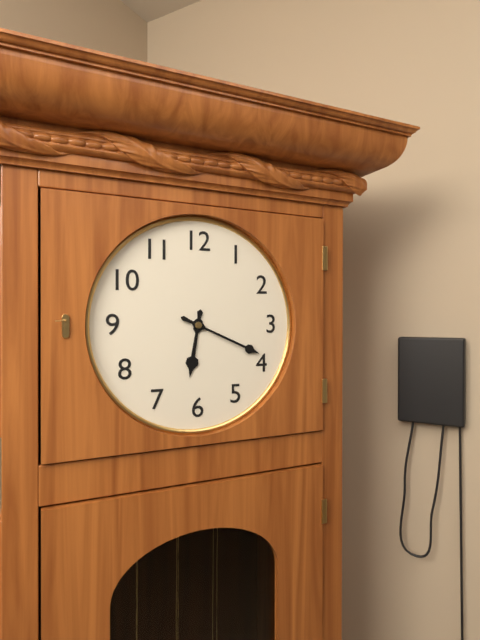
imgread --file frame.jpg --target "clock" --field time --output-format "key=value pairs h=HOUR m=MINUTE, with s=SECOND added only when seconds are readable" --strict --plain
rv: h=6 m=19
